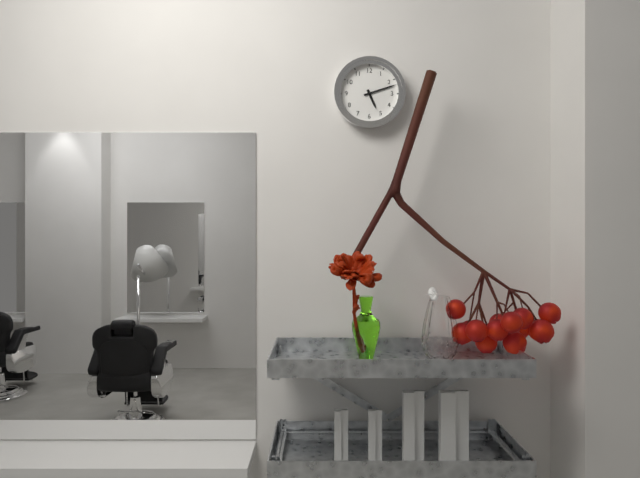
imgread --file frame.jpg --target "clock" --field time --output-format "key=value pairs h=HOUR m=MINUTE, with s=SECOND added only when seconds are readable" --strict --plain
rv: h=5 m=12
